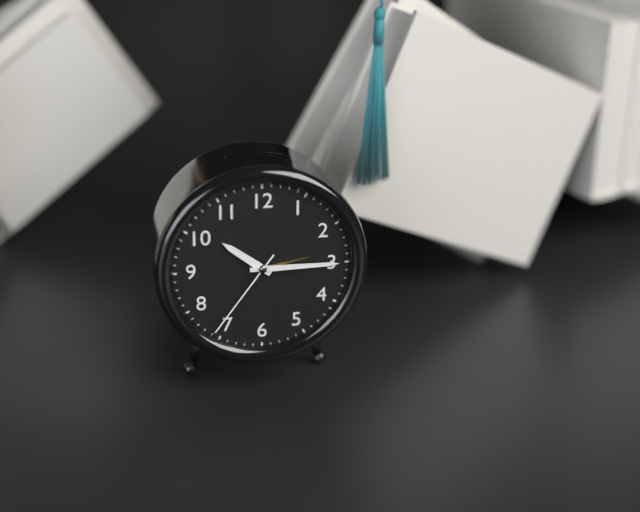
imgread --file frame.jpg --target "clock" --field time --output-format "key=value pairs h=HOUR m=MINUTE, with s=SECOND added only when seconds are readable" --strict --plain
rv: h=10 m=15 s=36
